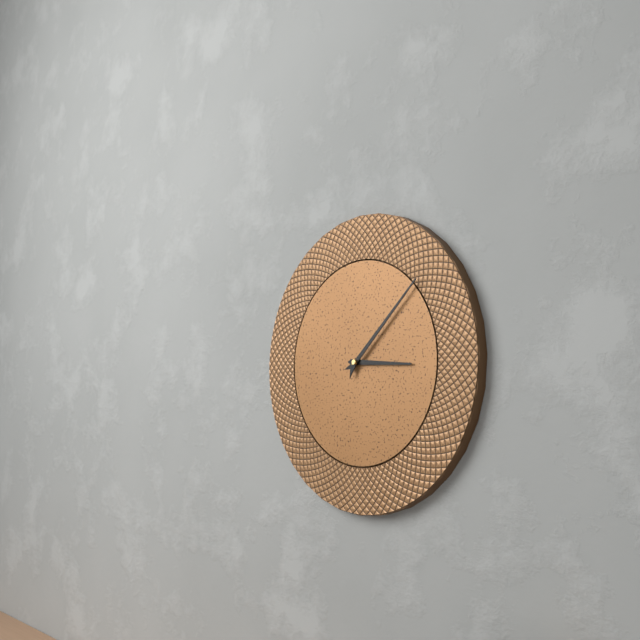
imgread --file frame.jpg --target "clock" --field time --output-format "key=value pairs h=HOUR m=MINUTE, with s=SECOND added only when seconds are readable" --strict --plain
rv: h=3 m=8
